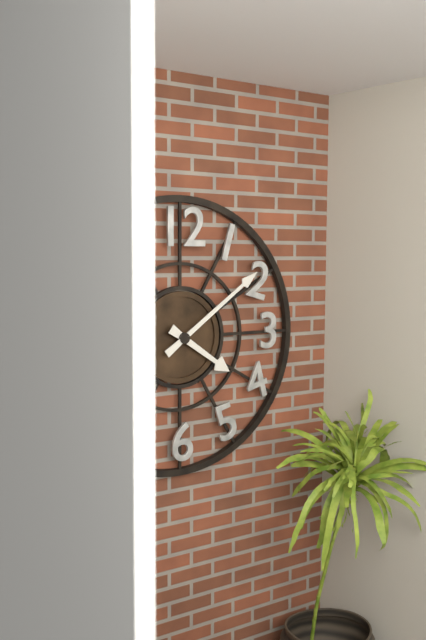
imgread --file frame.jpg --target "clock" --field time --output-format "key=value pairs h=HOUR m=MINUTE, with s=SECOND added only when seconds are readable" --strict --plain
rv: h=4 m=9
